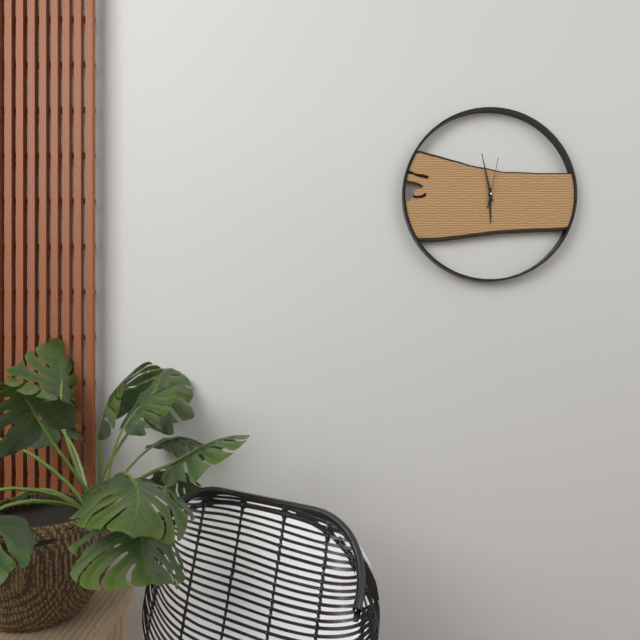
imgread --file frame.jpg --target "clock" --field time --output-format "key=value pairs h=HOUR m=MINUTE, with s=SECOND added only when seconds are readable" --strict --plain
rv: h=5 m=58
